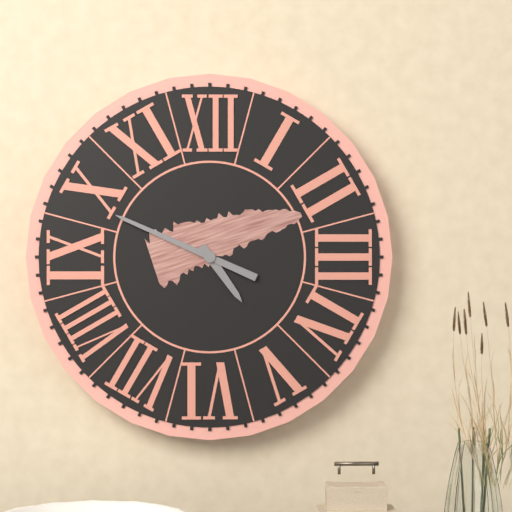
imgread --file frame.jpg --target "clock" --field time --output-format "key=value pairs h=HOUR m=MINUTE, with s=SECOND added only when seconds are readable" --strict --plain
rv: h=4 m=49
